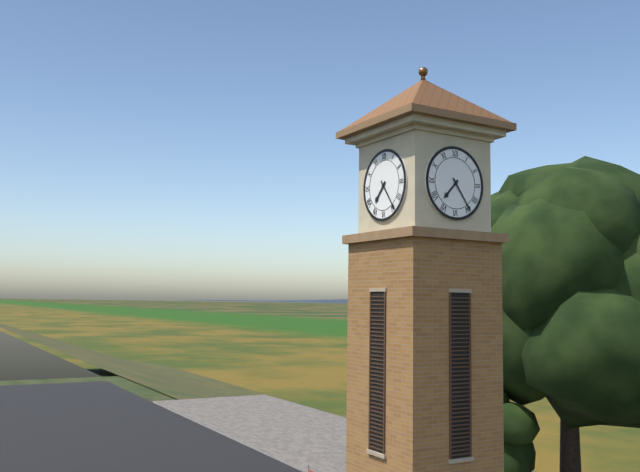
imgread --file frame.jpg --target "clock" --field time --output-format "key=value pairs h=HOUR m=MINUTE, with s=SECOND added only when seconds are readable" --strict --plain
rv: h=7 m=24
